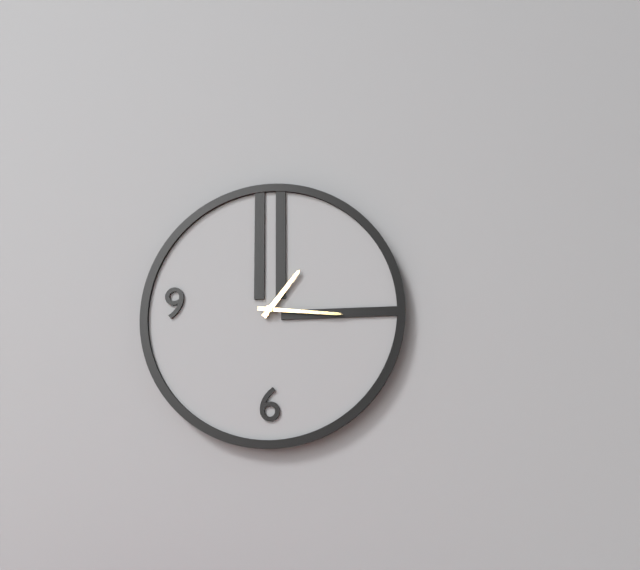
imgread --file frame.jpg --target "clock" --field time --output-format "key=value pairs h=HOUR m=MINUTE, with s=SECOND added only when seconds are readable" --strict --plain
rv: h=1 m=16
